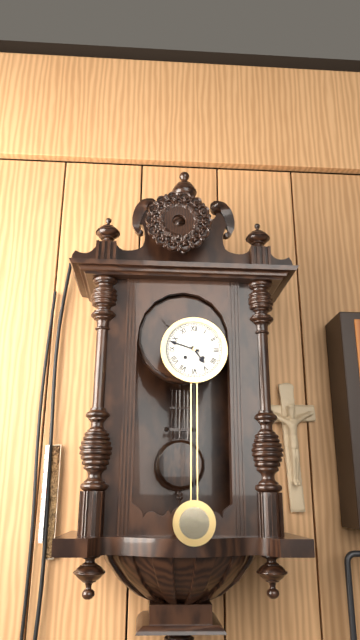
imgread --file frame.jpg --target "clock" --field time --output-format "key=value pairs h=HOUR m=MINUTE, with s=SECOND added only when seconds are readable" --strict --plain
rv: h=4 m=48
